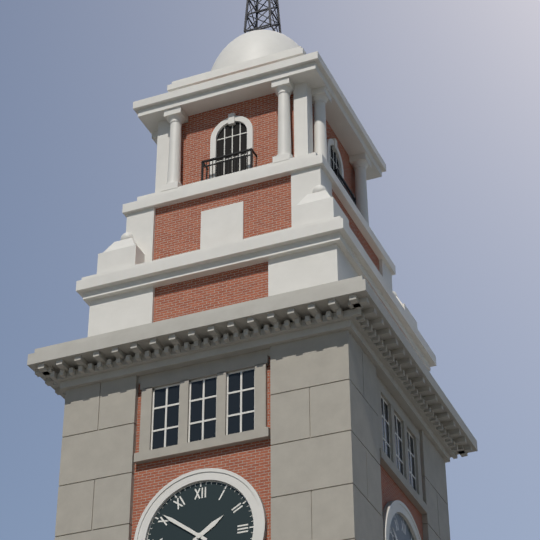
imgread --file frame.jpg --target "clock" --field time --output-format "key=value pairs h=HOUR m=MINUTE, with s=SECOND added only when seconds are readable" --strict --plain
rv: h=1 m=51
